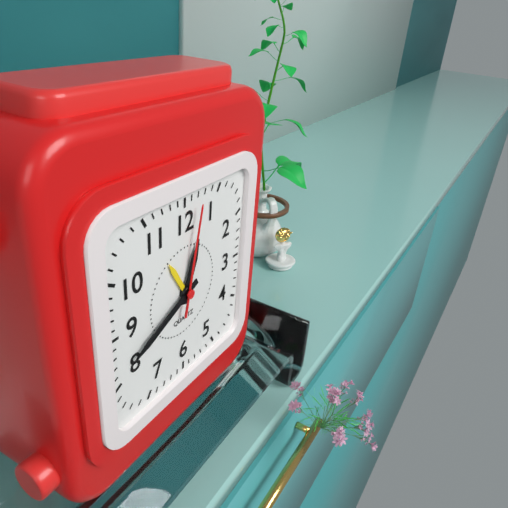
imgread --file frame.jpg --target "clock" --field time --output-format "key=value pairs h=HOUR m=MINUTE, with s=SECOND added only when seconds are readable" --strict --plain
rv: h=12 m=41 s=2
